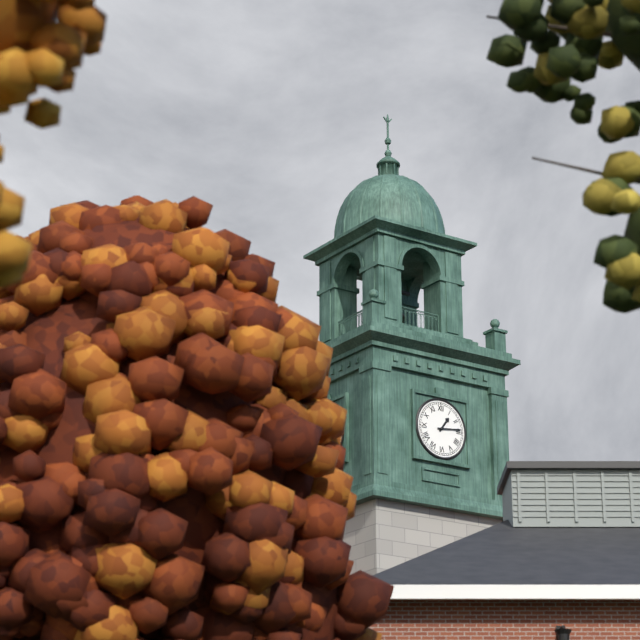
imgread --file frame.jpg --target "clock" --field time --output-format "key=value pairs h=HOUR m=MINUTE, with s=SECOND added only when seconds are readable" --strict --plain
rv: h=1 m=14
